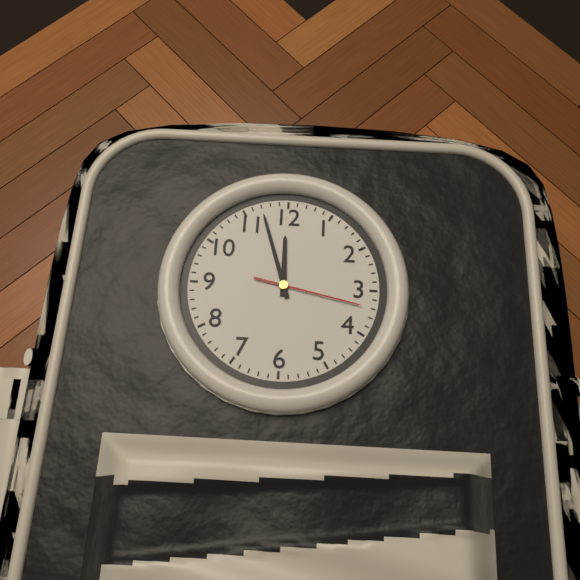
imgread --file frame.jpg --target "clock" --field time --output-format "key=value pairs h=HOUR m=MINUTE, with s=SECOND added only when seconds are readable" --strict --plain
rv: h=11 m=57 s=17
